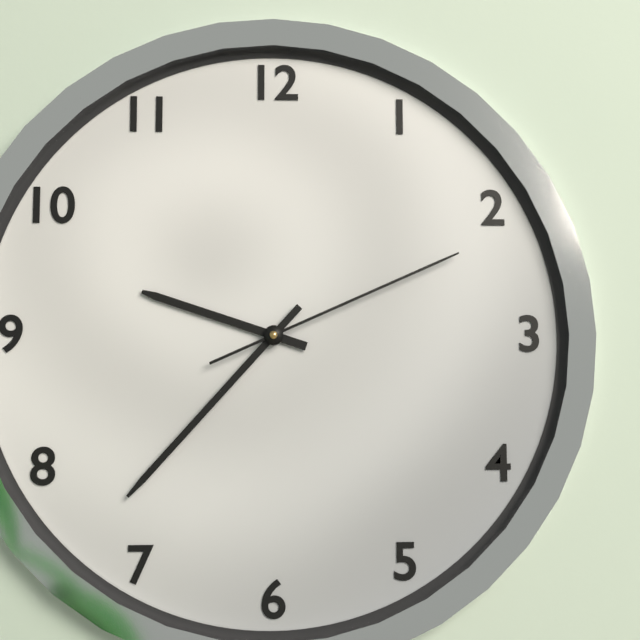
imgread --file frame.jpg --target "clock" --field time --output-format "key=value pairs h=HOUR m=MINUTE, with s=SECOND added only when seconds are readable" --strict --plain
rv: h=9 m=37 s=11
